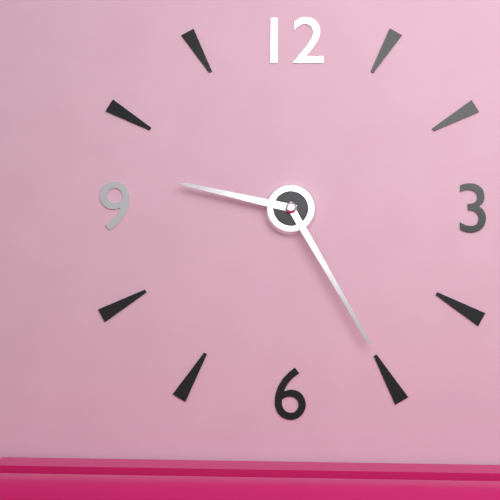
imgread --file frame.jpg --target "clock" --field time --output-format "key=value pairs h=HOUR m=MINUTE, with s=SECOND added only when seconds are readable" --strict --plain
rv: h=9 m=25
